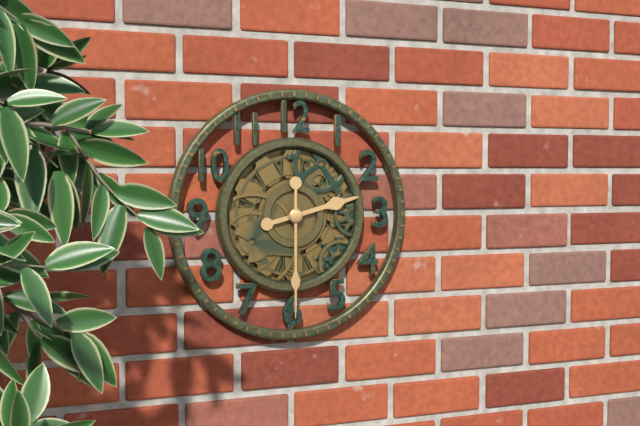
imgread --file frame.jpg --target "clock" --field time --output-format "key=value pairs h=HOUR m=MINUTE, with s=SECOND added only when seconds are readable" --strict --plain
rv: h=2 m=30
